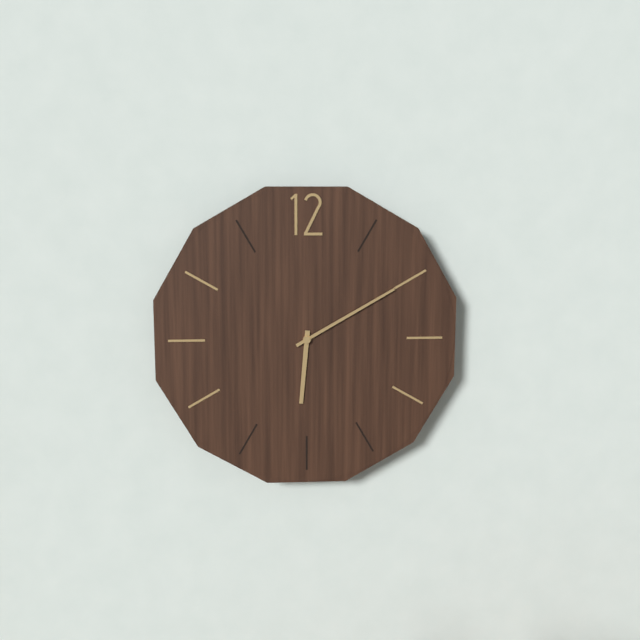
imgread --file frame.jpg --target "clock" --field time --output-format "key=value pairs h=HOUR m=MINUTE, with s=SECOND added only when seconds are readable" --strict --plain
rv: h=6 m=10
